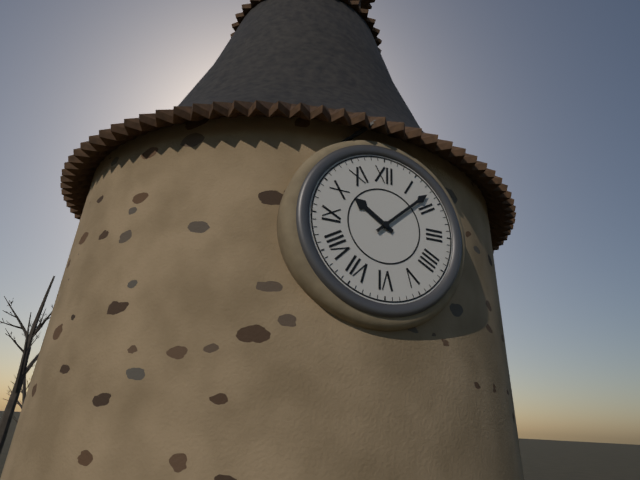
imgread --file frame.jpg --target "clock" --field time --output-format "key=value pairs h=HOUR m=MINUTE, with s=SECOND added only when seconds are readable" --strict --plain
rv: h=10 m=8
